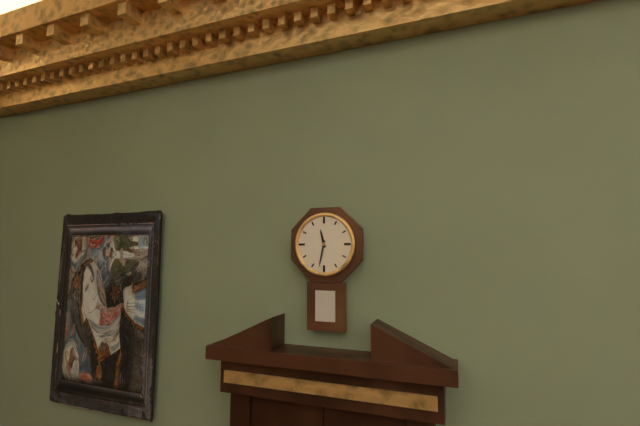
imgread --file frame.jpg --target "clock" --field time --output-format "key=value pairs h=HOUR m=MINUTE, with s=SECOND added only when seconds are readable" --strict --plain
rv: h=11 m=32
